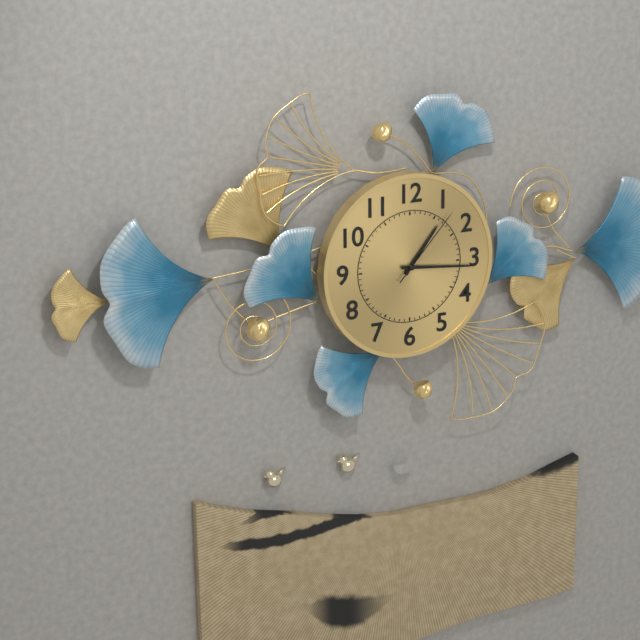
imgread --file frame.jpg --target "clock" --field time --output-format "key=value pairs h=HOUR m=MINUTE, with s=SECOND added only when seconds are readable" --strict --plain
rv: h=1 m=16 s=7
